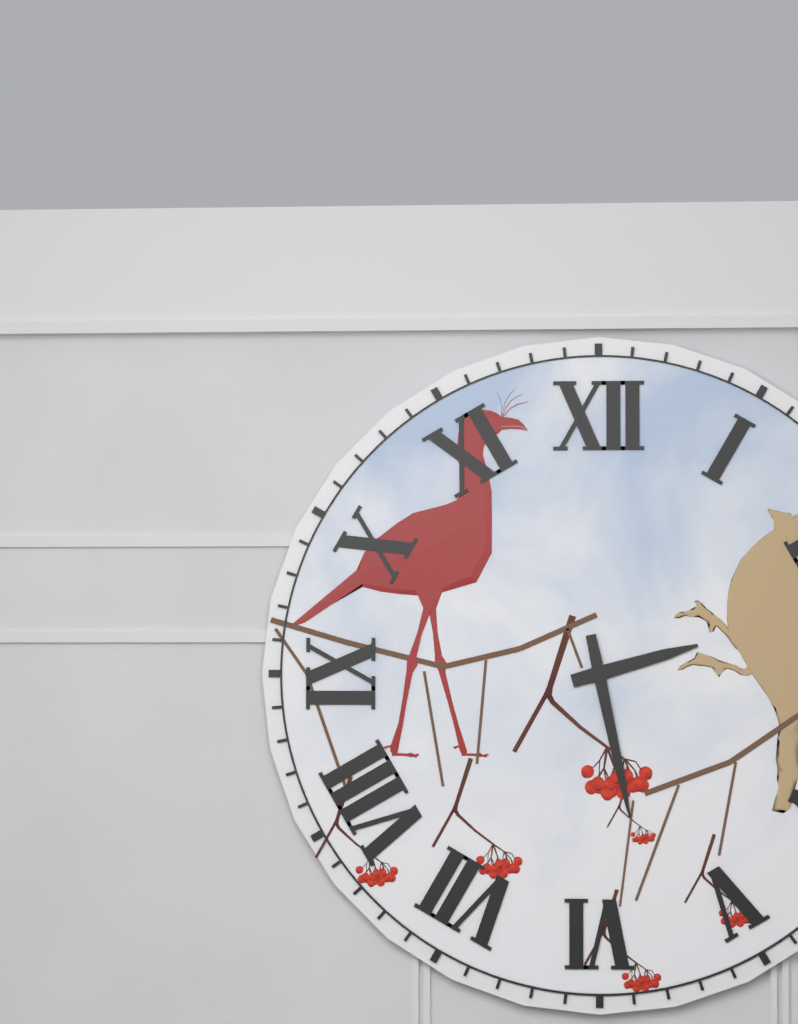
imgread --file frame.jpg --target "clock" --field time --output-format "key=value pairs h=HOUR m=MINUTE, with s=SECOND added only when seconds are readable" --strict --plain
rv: h=2 m=28
